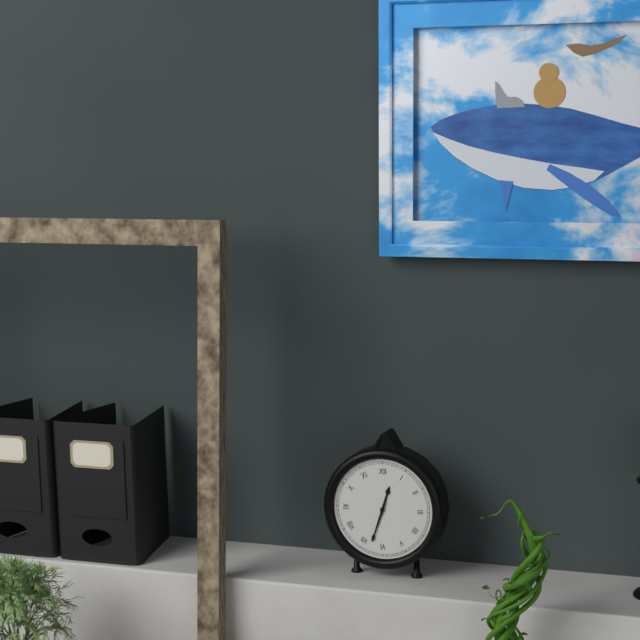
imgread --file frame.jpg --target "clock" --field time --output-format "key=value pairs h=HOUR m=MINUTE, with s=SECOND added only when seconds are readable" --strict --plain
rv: h=12 m=33
